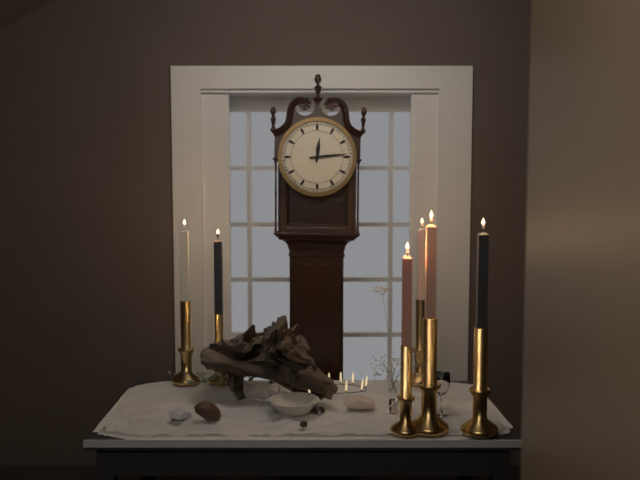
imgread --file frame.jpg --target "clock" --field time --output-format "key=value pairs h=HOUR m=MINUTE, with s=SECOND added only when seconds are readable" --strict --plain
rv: h=12 m=14
